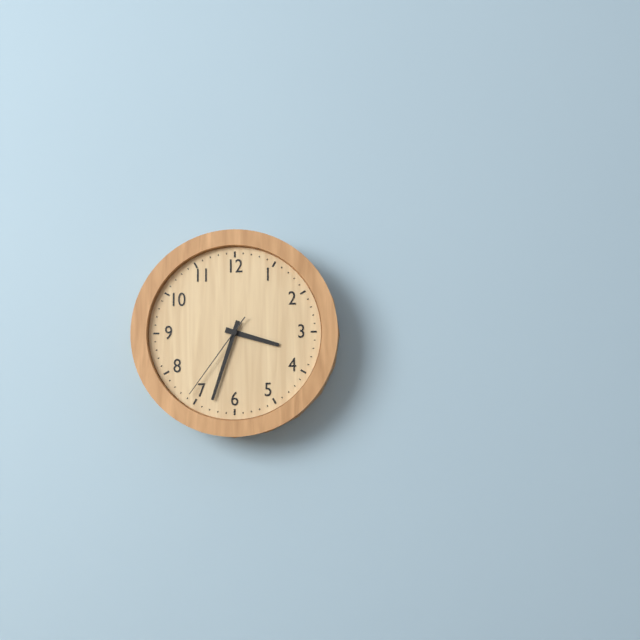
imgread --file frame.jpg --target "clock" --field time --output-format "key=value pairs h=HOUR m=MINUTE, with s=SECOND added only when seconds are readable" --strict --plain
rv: h=3 m=33 s=36
